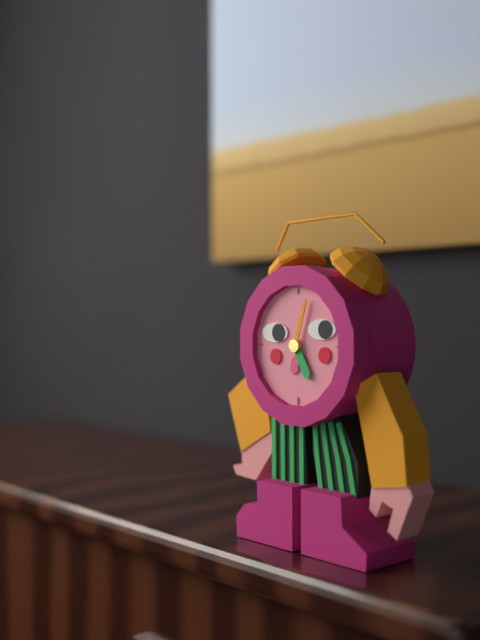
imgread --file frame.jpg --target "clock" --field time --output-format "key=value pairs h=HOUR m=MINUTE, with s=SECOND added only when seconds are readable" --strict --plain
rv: h=5 m=3
